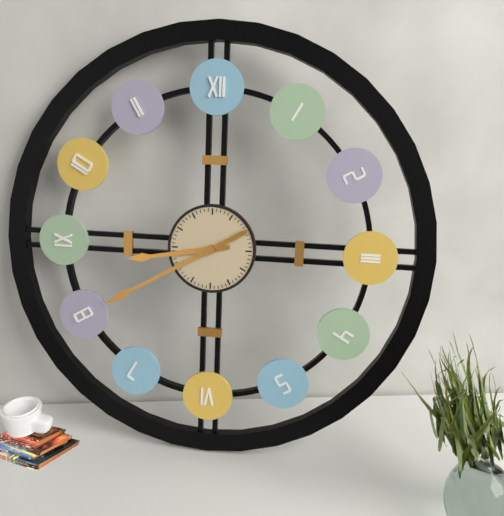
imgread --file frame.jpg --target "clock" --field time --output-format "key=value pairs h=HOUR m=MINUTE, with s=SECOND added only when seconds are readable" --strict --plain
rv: h=8 m=40
